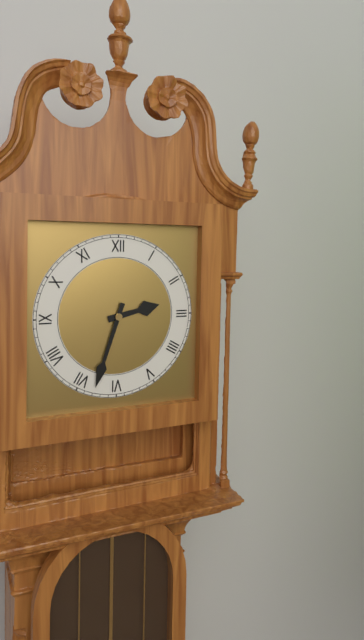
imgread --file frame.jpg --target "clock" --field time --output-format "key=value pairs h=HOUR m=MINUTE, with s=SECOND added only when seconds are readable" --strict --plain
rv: h=2 m=33
